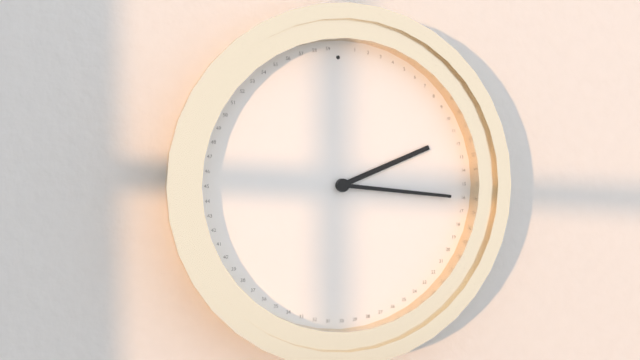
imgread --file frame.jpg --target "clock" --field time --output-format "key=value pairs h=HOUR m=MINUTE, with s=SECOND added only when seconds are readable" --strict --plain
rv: h=2 m=16
